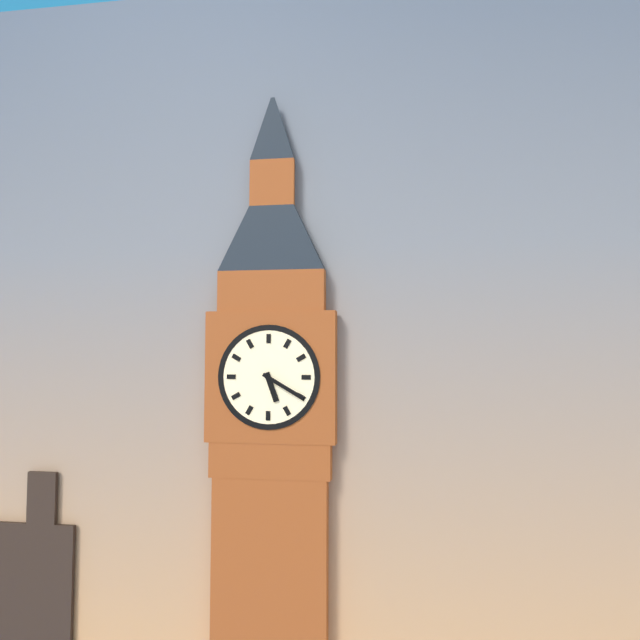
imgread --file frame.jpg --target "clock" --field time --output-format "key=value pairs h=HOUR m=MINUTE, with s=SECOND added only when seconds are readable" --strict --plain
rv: h=5 m=20
